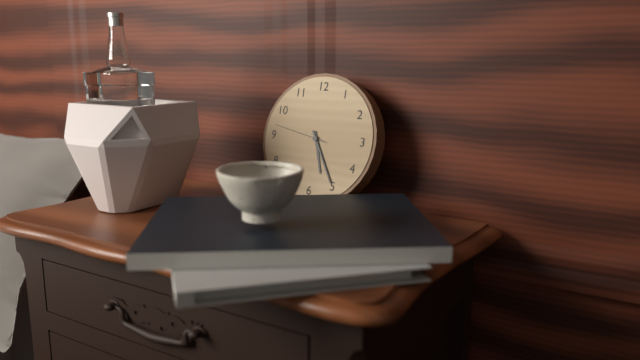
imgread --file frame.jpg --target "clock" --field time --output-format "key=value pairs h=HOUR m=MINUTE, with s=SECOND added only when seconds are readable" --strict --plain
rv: h=5 m=25 s=47
